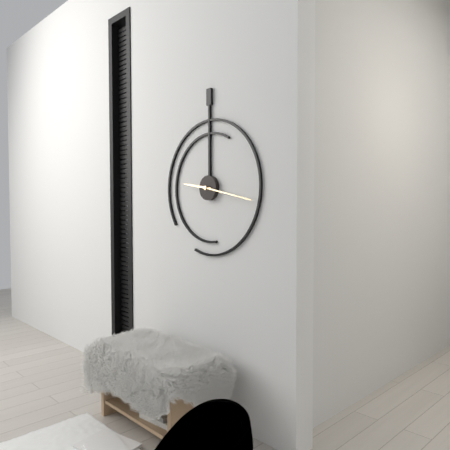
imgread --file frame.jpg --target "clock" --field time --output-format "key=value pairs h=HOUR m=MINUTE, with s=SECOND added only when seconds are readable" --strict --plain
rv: h=9 m=17
